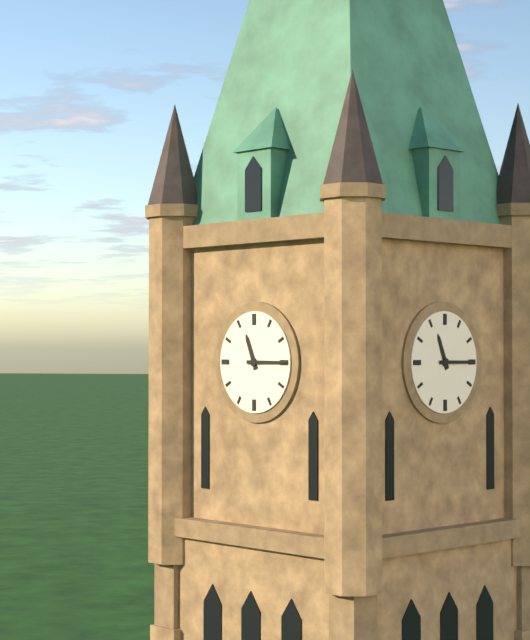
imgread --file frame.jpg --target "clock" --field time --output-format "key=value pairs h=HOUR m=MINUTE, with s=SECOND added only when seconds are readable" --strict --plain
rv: h=11 m=15
